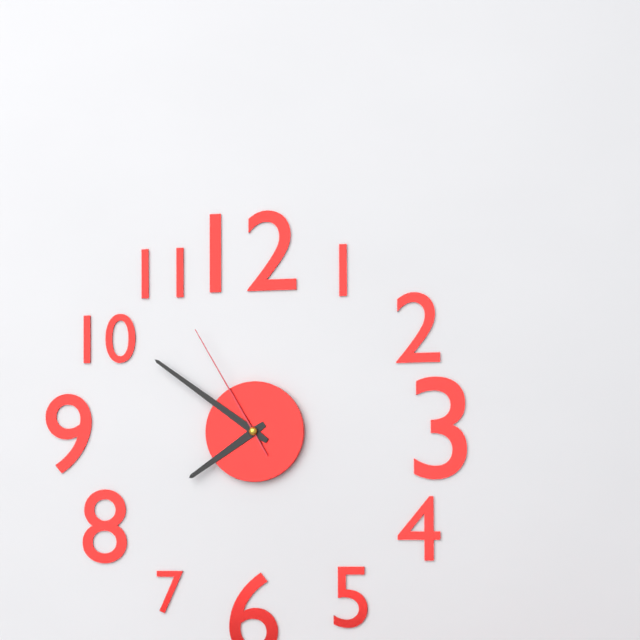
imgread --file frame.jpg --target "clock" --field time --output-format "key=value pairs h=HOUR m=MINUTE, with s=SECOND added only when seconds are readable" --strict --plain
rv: h=7 m=51 s=55
